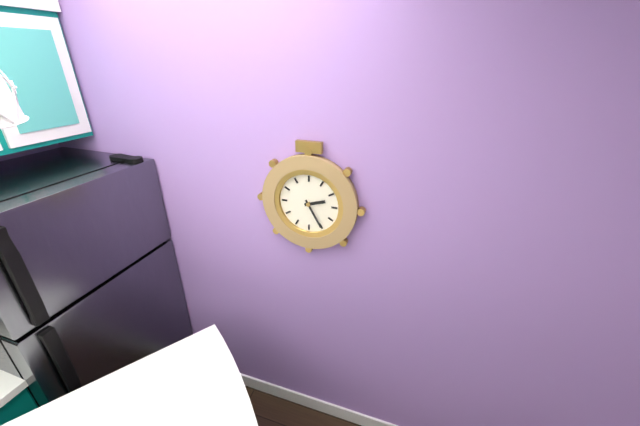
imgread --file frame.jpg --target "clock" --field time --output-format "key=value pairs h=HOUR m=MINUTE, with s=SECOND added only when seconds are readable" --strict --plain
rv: h=2 m=25
